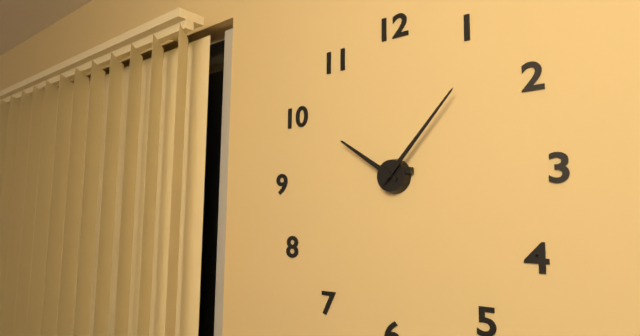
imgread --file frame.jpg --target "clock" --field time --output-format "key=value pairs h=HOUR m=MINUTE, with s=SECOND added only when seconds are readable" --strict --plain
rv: h=10 m=7
